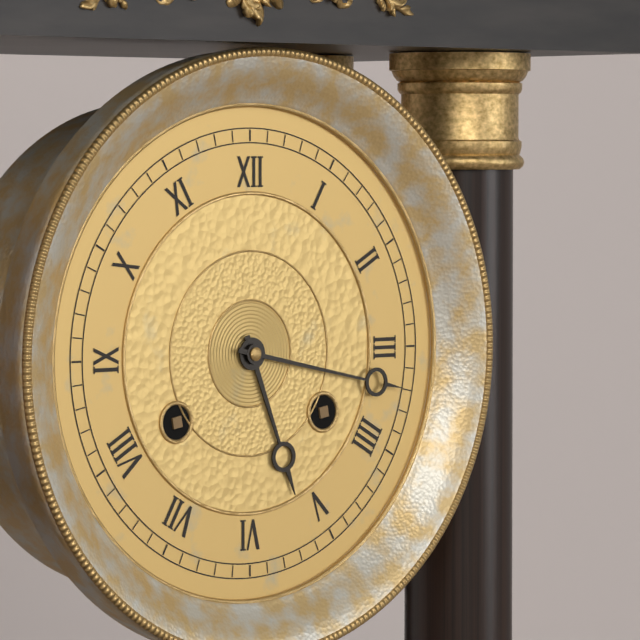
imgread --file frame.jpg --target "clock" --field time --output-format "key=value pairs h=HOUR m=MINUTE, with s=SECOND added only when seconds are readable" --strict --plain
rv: h=5 m=17
